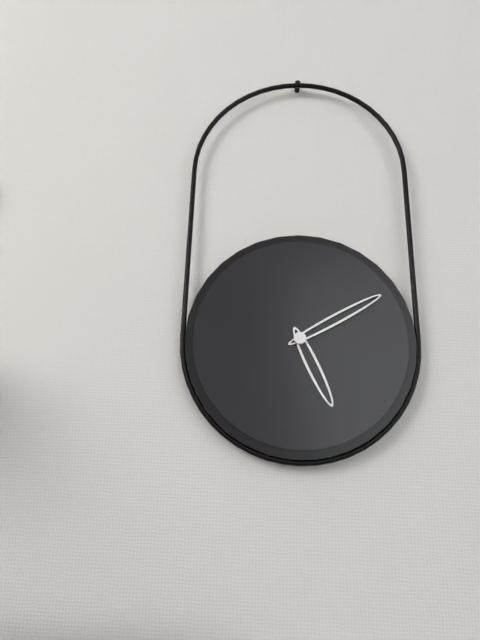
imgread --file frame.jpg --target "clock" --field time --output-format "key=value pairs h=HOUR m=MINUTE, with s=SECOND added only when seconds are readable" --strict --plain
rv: h=5 m=10
